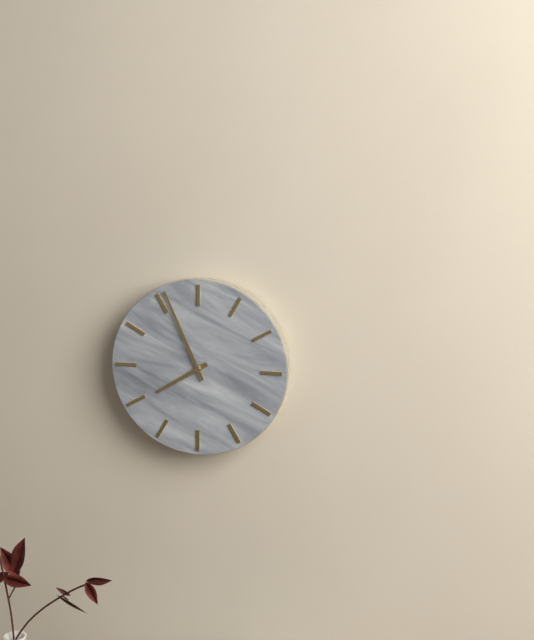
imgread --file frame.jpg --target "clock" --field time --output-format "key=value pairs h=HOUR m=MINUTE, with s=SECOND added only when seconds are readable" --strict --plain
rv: h=7 m=56
